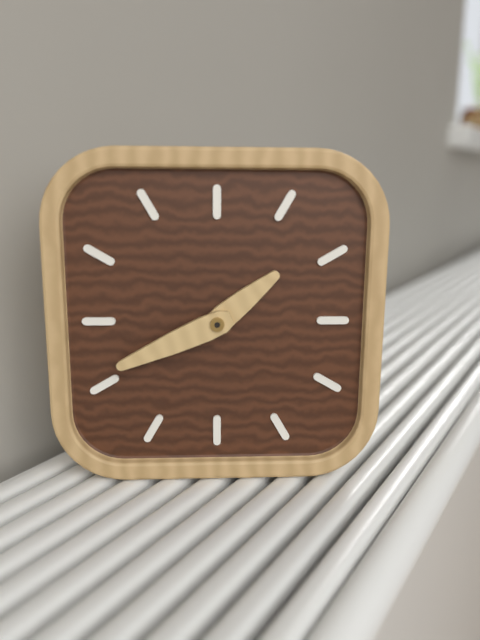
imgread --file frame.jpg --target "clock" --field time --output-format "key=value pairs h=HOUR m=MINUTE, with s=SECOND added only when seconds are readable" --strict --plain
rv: h=1 m=41
